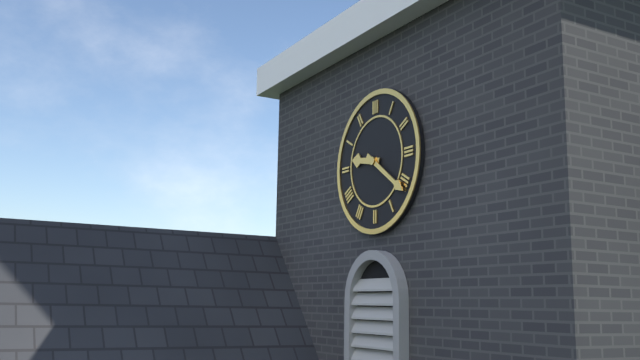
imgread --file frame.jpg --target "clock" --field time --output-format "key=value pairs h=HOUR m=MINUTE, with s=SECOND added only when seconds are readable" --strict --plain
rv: h=9 m=21
